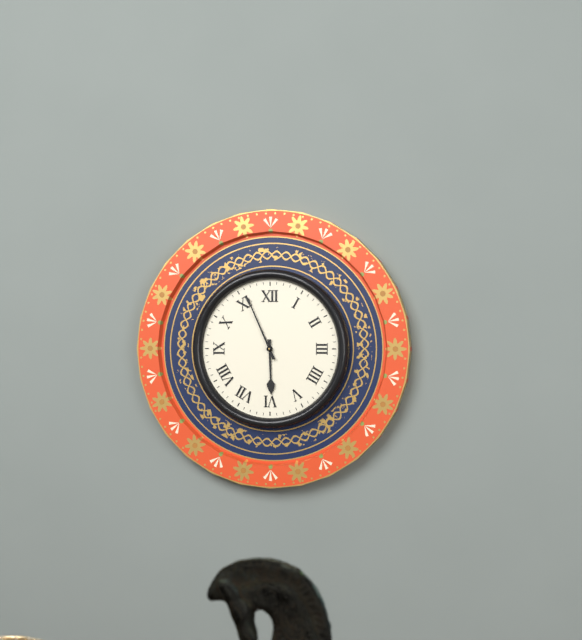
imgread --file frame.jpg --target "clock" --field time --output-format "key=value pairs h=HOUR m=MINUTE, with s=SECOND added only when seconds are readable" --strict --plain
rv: h=5 m=56
